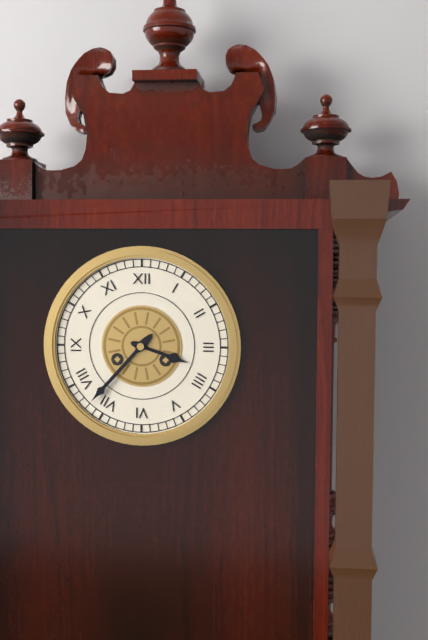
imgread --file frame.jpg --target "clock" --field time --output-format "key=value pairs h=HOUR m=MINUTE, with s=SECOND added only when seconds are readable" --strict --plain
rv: h=3 m=37
